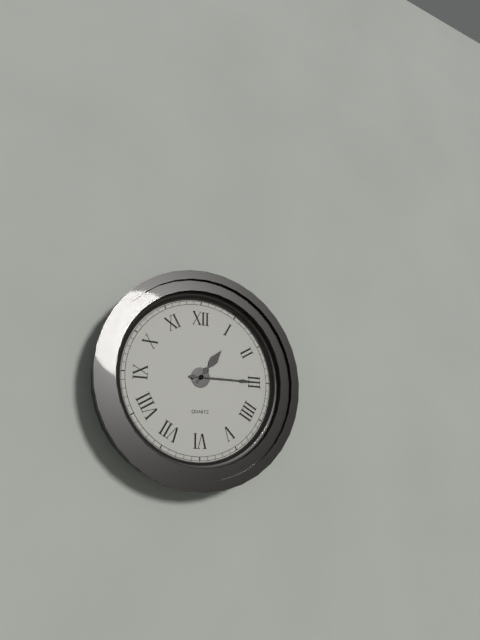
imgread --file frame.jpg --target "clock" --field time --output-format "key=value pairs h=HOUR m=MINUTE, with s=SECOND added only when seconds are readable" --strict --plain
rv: h=1 m=15
